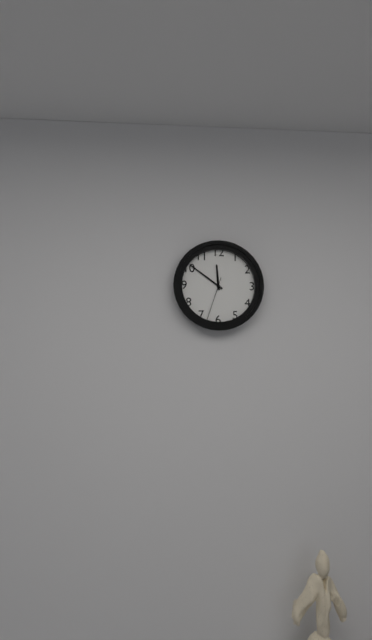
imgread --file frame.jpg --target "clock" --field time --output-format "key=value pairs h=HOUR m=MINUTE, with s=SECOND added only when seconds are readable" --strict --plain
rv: h=11 m=51
